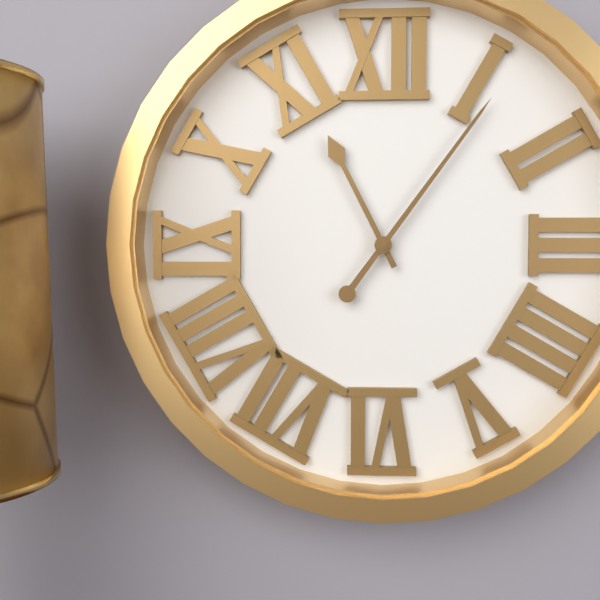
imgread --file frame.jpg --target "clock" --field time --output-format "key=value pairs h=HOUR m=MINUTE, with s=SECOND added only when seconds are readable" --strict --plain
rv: h=11 m=6
